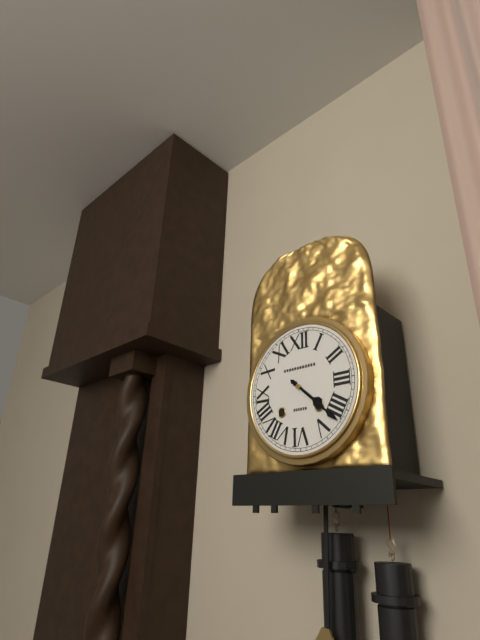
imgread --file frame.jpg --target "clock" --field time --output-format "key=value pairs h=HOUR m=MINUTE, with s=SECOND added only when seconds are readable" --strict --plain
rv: h=4 m=22
